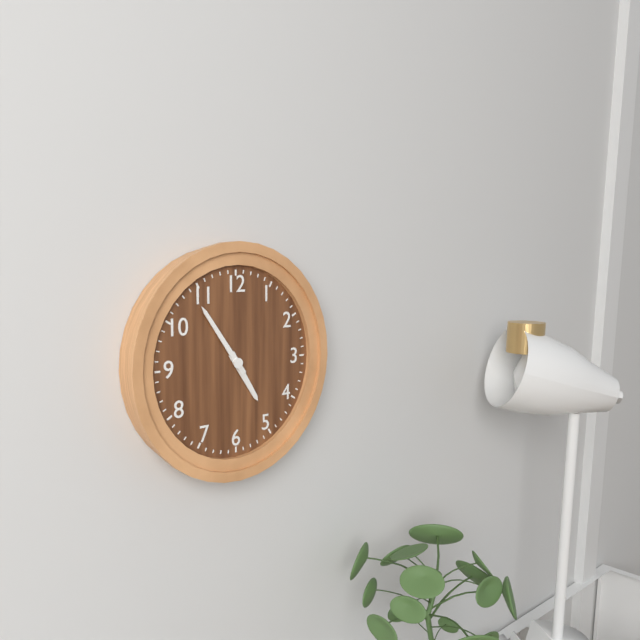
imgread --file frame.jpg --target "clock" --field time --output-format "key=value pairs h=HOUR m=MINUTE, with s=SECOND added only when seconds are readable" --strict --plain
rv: h=4 m=54
